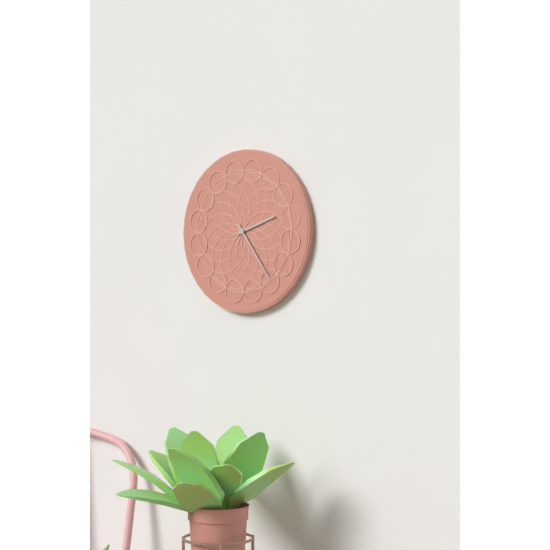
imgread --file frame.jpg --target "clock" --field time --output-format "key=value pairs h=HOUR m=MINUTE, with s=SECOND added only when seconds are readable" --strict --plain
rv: h=2 m=24
